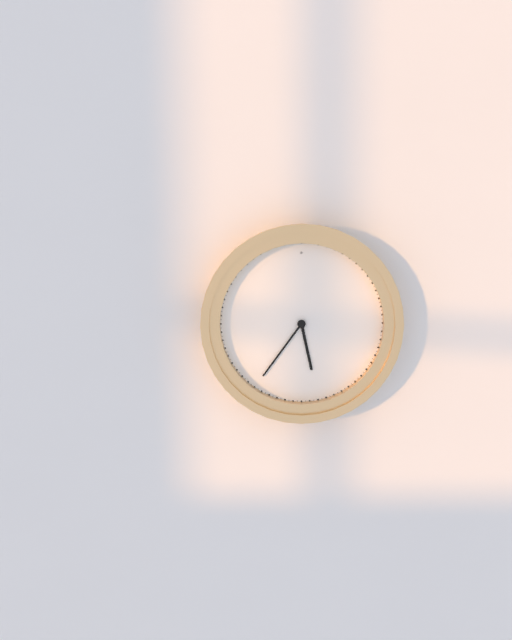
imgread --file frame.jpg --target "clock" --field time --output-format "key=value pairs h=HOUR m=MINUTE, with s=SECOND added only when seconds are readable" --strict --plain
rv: h=5 m=36
